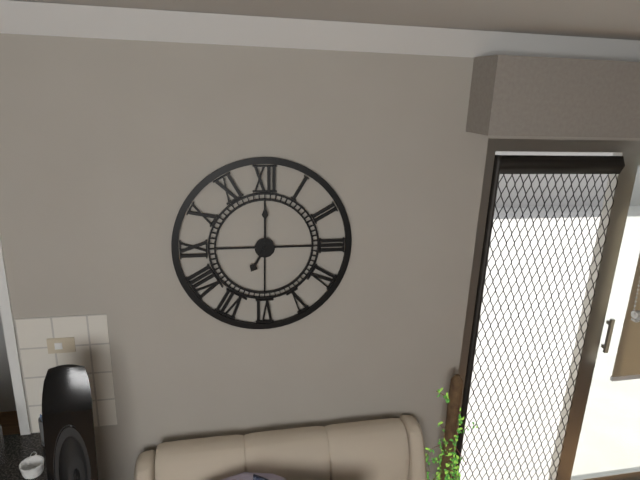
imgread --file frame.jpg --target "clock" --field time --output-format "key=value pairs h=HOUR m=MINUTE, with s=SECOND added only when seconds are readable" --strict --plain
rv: h=7 m=0
